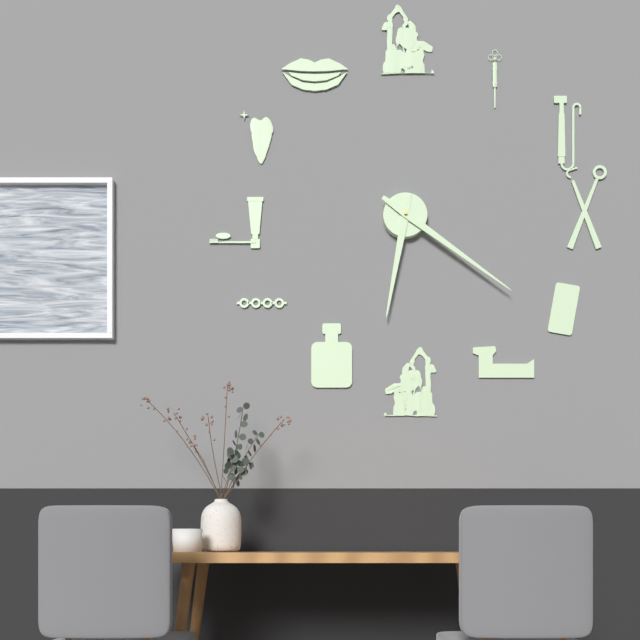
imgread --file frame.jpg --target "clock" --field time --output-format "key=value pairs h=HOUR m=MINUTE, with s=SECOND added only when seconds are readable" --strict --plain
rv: h=6 m=21
